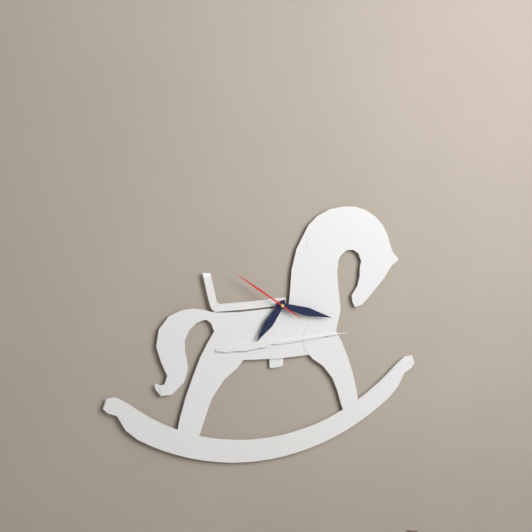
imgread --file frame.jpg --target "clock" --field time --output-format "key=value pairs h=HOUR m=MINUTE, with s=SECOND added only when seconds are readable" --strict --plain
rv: h=7 m=18 s=51
